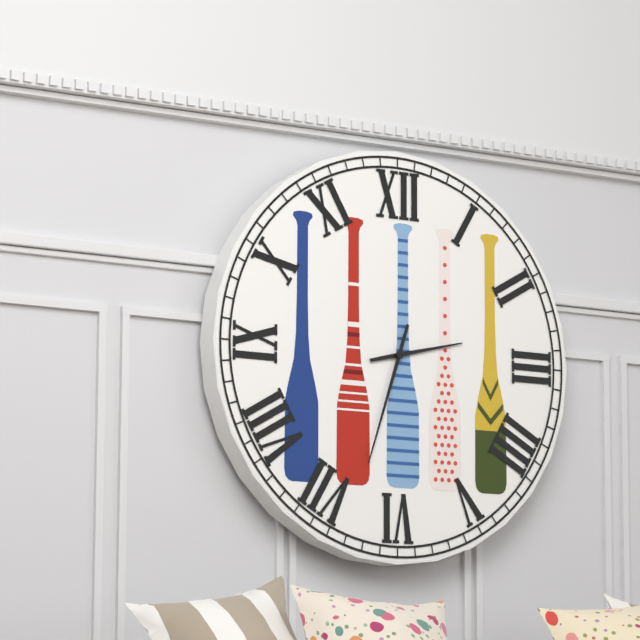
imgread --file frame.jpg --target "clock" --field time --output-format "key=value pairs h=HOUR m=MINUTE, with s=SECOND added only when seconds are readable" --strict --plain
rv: h=2 m=33
